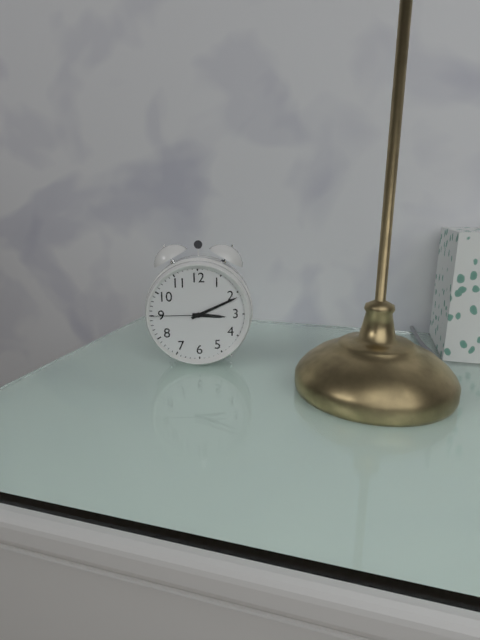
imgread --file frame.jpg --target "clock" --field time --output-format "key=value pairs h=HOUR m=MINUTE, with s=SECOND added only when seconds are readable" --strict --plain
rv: h=3 m=11 s=45
